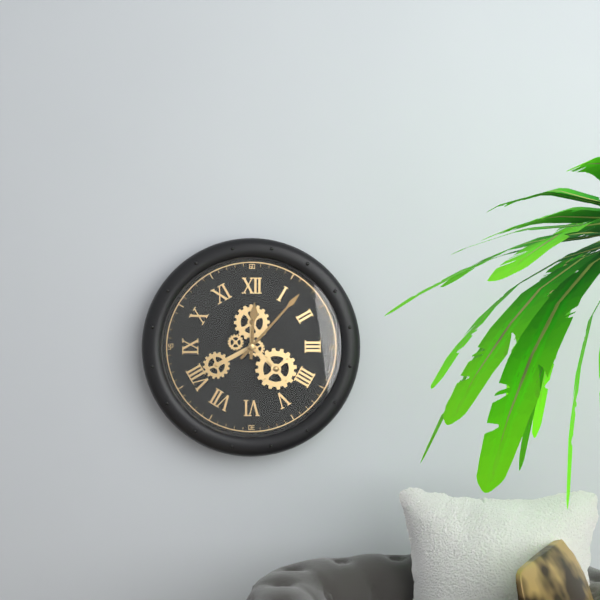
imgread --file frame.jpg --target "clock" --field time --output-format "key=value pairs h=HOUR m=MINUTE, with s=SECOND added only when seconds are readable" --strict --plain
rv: h=12 m=7
